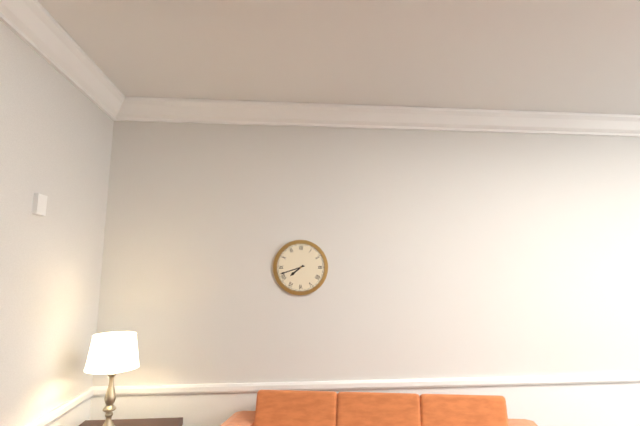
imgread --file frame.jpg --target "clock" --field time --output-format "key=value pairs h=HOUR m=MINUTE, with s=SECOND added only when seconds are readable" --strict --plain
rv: h=7 m=42
